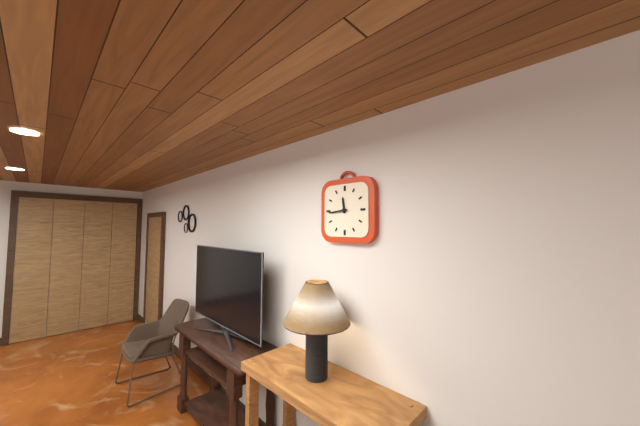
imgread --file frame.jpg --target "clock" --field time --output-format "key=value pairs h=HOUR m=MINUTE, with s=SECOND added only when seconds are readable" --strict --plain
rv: h=11 m=44
